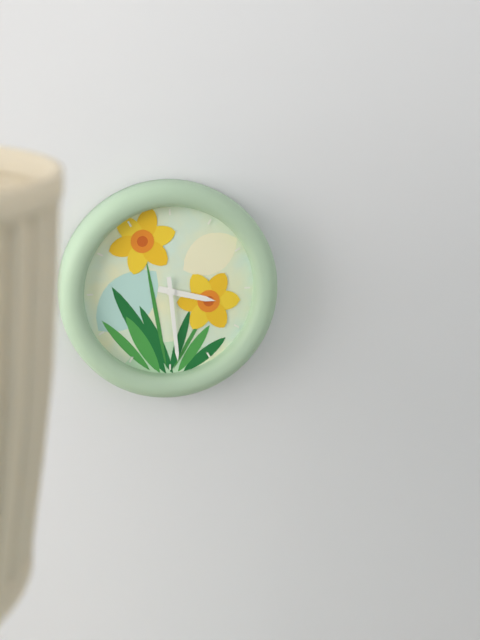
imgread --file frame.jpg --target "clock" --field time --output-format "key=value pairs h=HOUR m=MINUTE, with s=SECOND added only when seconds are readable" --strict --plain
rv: h=3 m=29
